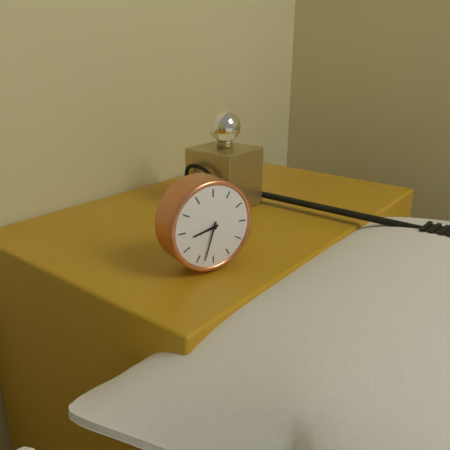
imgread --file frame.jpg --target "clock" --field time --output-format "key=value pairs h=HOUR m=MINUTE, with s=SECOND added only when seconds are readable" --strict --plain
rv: h=8 m=33
